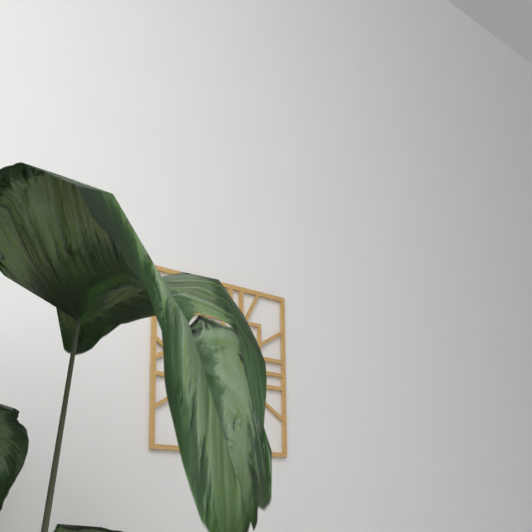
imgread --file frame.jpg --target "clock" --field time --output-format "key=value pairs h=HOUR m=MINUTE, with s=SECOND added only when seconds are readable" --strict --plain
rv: h=5 m=23
